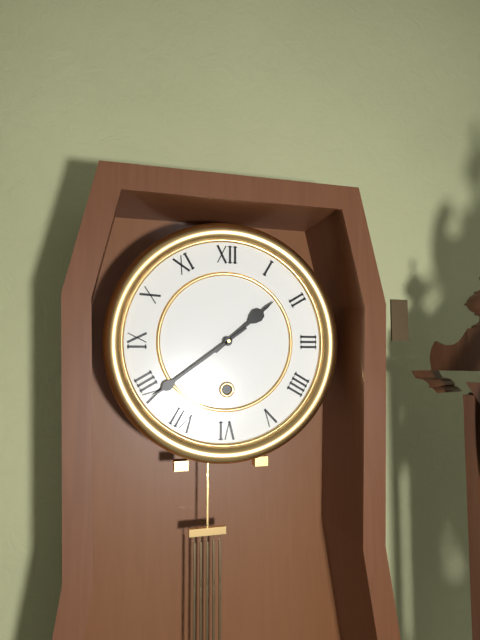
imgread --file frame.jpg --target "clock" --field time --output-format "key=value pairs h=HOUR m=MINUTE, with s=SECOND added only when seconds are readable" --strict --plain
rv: h=1 m=39
